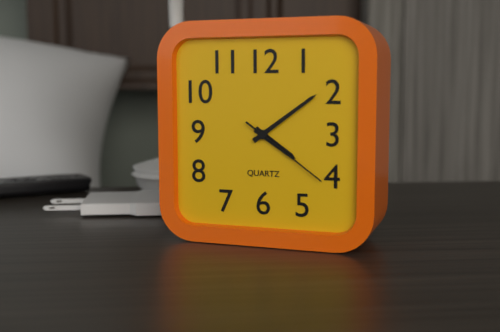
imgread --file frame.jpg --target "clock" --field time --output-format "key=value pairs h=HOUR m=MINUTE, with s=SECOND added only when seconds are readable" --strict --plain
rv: h=4 m=9 s=21
